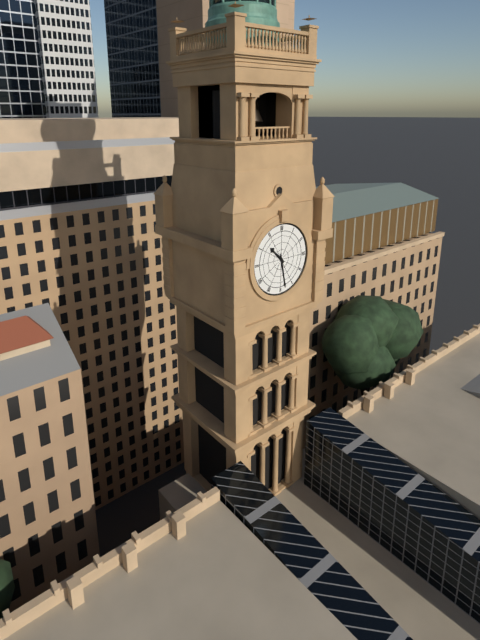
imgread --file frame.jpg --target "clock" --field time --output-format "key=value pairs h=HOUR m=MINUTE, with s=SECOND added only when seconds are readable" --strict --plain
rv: h=10 m=28
